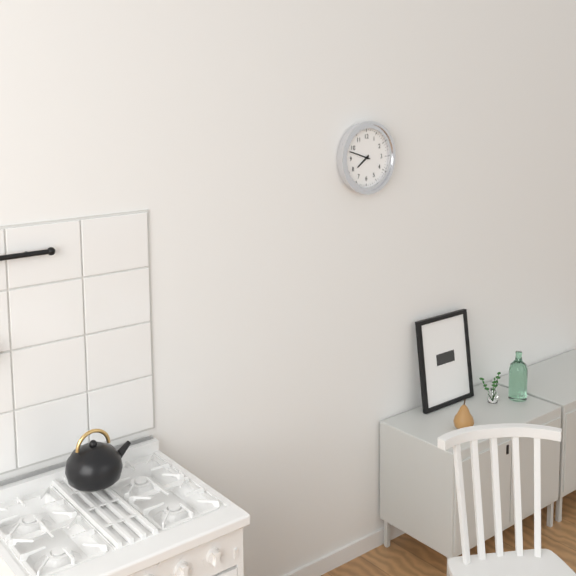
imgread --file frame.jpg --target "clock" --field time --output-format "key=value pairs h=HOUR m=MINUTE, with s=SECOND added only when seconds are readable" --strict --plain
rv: h=7 m=48
